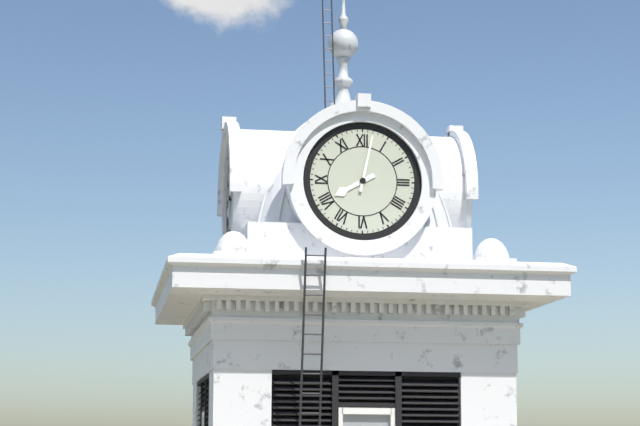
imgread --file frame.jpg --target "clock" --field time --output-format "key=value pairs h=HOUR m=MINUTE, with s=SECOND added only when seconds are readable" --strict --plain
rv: h=8 m=2
